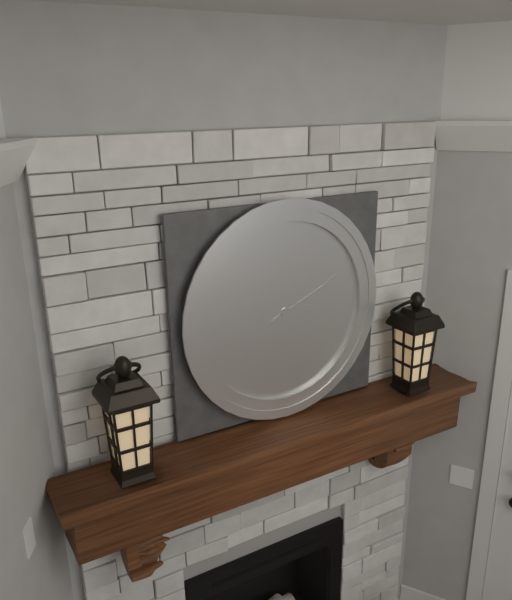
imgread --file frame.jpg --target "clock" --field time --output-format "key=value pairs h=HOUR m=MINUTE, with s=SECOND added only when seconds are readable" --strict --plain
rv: h=3 m=11
